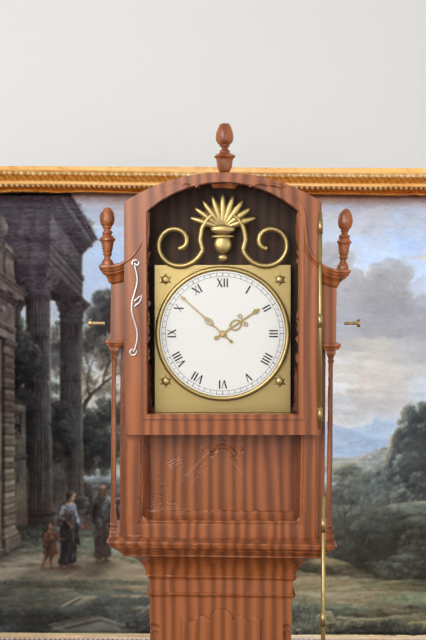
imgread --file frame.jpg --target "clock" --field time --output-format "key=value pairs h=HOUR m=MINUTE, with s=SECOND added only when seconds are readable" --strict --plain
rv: h=1 m=52
